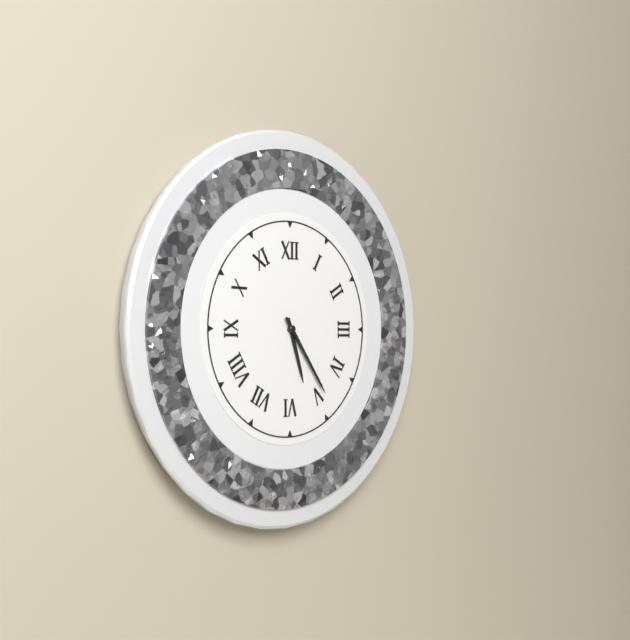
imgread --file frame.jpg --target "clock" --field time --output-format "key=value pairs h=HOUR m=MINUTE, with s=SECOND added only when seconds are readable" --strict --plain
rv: h=5 m=24
